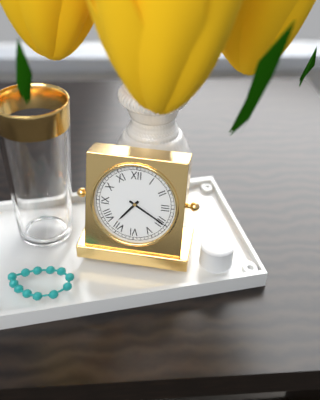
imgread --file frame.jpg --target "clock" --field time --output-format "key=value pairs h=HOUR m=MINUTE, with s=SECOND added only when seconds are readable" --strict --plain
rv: h=7 m=20
